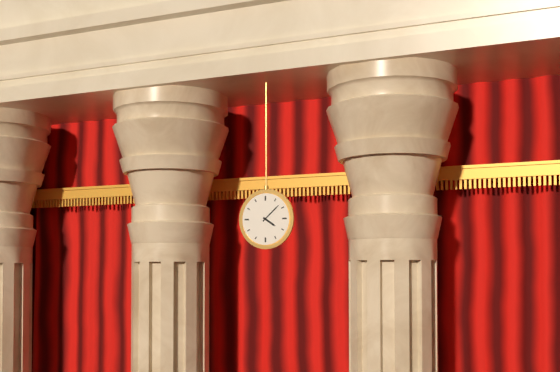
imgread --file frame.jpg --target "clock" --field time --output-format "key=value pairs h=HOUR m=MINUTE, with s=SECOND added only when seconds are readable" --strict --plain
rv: h=4 m=8
